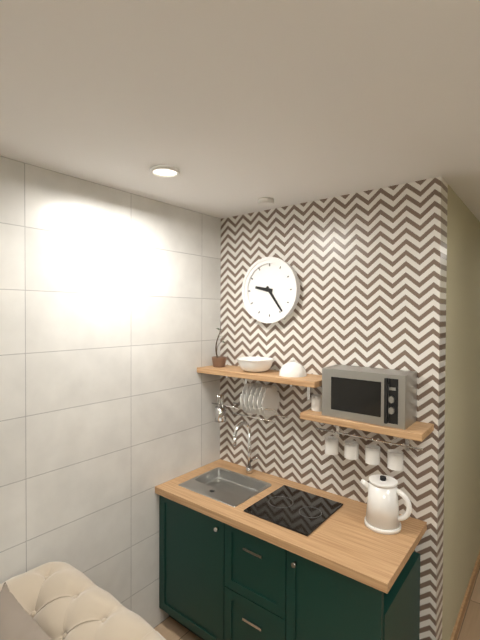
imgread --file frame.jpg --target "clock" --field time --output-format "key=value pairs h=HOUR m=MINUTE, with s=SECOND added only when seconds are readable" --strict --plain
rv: h=9 m=24
